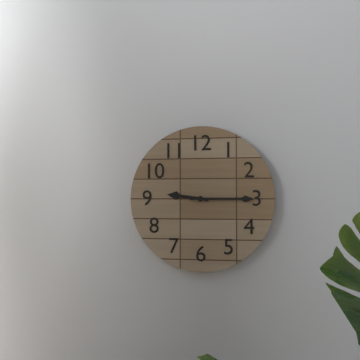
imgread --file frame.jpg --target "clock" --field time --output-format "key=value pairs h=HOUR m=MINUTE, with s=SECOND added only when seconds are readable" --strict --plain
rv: h=9 m=15
